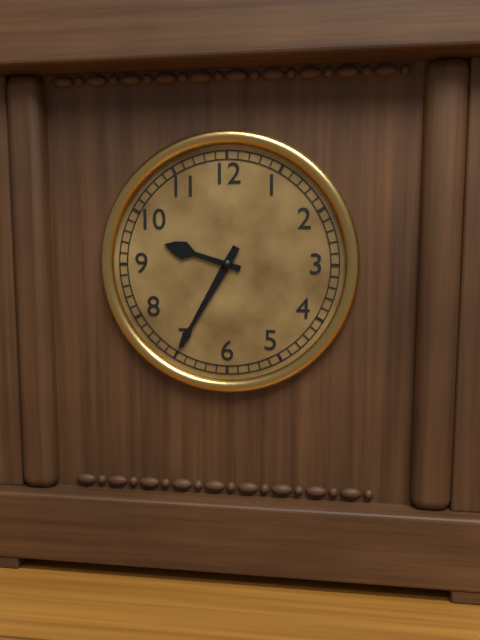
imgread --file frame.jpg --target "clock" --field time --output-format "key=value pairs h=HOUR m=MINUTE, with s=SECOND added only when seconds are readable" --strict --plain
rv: h=9 m=35
